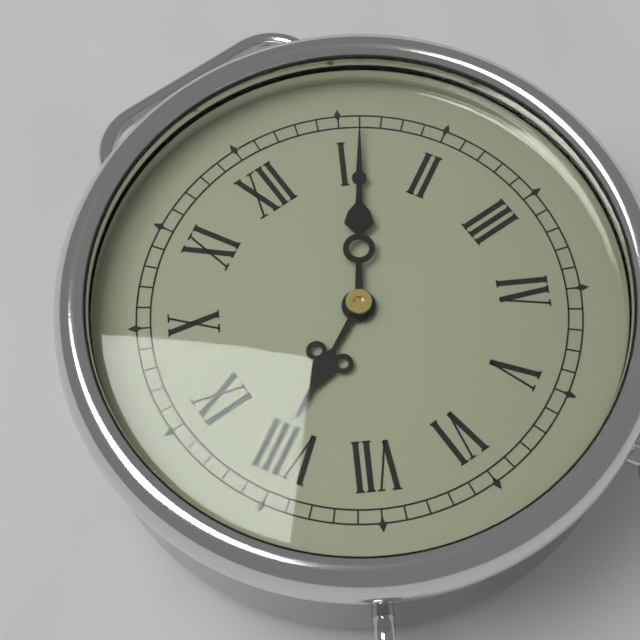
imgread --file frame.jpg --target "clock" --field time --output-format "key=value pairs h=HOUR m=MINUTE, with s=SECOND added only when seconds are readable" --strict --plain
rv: h=8 m=6
